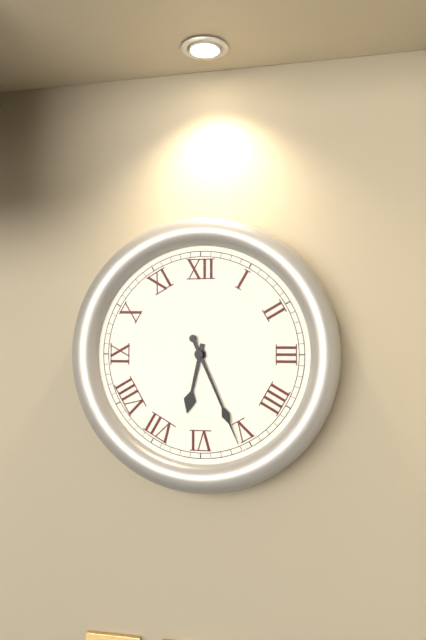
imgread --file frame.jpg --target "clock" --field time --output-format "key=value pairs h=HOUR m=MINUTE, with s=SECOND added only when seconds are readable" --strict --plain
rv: h=6 m=26
